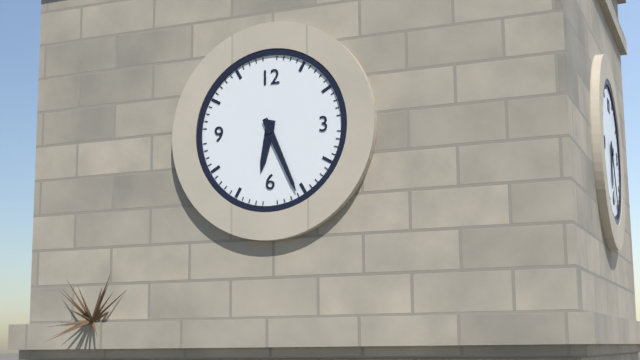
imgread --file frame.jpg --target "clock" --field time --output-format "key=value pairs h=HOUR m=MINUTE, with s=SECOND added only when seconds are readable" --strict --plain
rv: h=6 m=26
